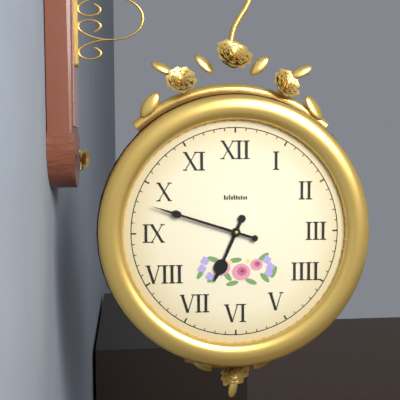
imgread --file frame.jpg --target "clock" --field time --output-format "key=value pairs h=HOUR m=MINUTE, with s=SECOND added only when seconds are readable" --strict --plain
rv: h=6 m=48
